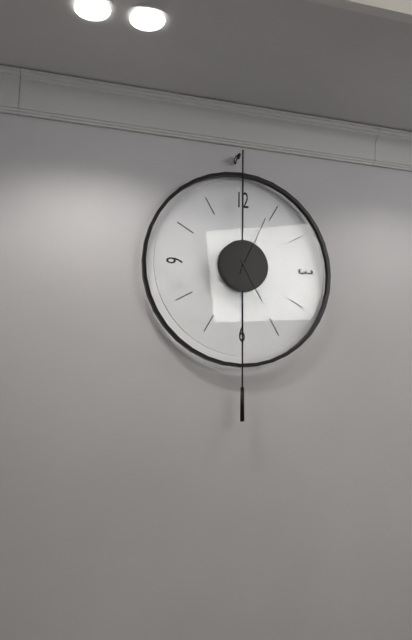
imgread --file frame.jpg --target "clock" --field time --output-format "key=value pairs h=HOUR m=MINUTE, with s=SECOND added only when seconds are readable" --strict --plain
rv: h=5 m=4
